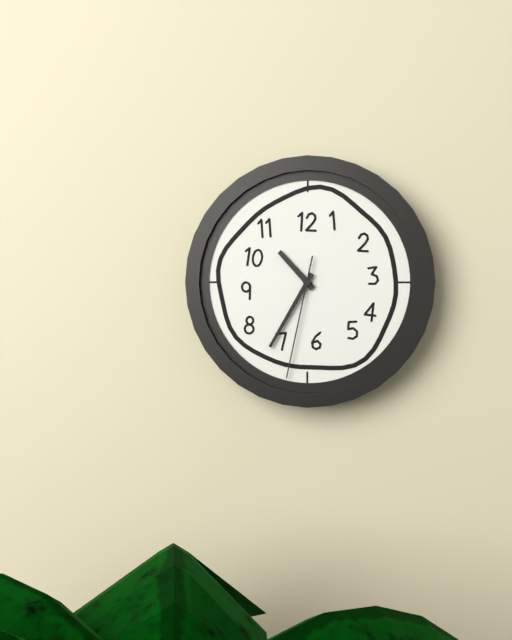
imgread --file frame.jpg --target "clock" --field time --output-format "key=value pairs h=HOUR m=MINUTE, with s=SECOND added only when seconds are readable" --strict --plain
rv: h=10 m=35 s=32
